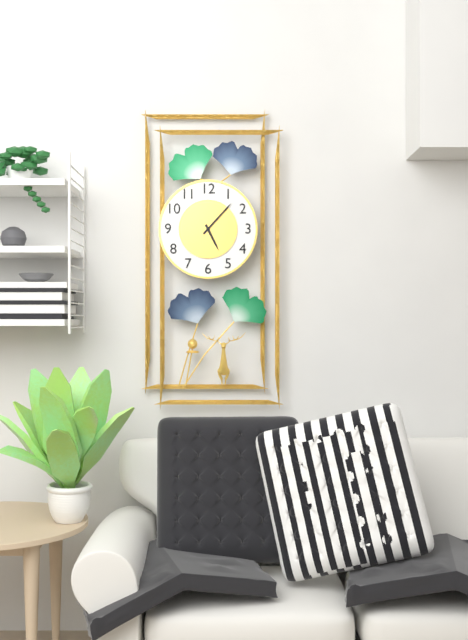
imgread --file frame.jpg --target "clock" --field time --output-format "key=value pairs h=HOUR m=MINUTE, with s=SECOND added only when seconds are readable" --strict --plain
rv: h=5 m=7
